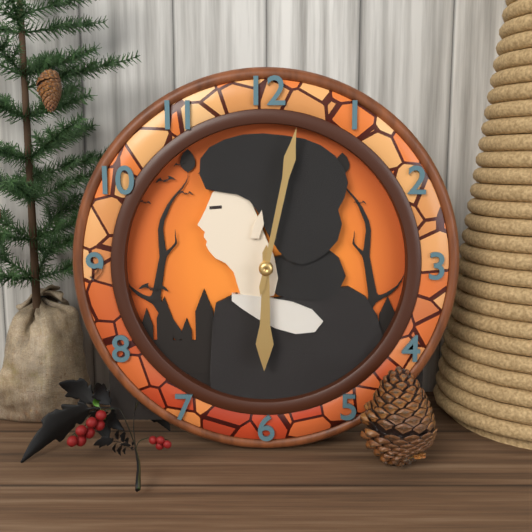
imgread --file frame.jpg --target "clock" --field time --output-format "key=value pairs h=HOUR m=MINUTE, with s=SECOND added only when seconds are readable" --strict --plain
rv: h=6 m=2
